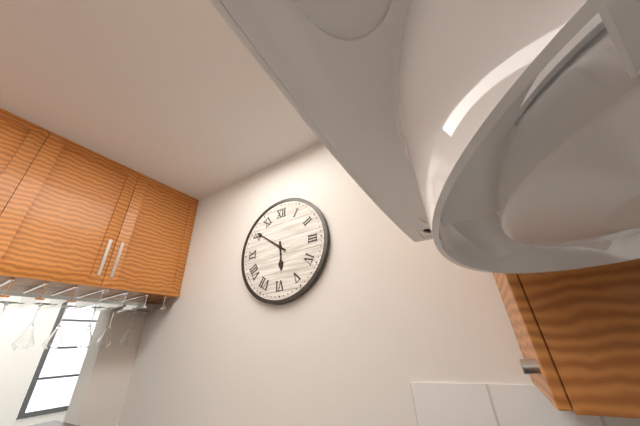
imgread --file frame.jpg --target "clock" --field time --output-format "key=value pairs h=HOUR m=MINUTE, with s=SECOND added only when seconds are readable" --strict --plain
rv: h=5 m=51
